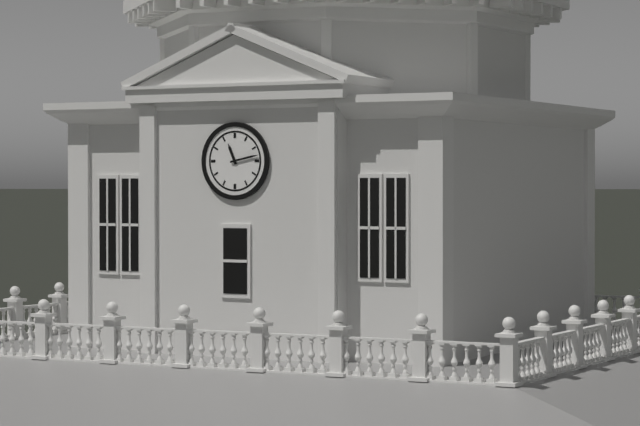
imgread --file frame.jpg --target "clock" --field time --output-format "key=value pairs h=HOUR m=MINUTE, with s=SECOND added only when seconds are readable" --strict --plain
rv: h=11 m=13
